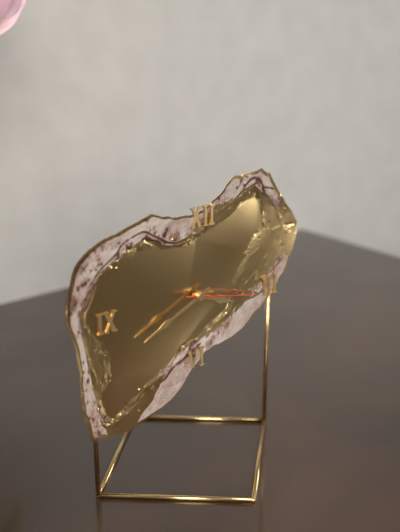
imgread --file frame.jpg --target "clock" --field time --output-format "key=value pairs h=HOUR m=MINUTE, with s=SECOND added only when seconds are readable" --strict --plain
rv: h=3 m=41 s=17
